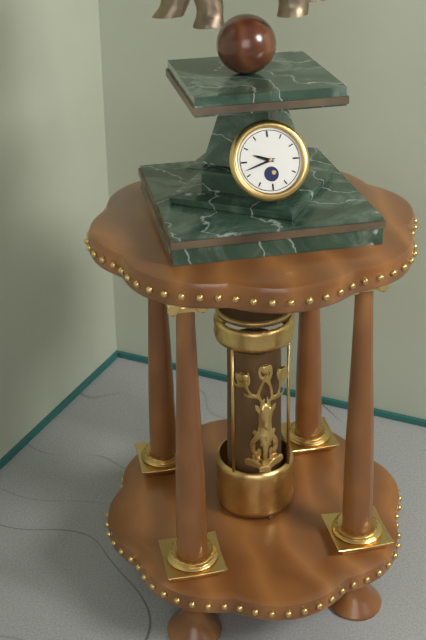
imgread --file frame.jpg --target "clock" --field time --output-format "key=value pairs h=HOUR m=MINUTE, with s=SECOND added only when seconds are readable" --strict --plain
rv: h=9 m=42
